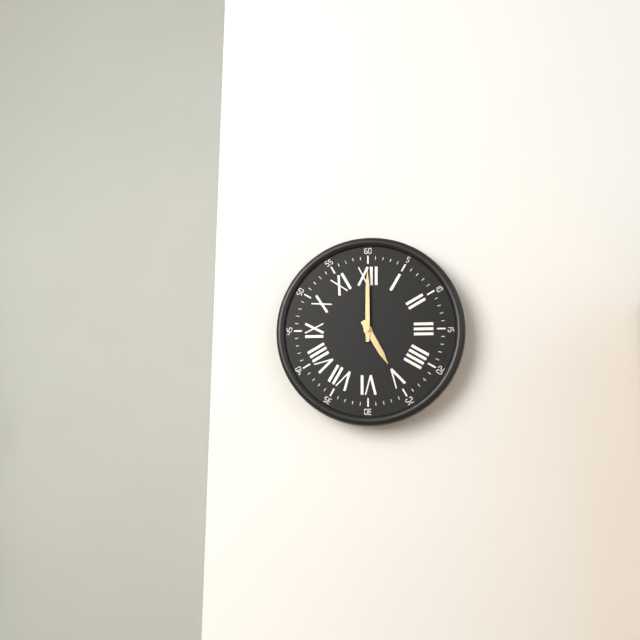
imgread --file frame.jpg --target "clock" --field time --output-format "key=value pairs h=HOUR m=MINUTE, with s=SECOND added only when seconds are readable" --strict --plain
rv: h=5 m=0
